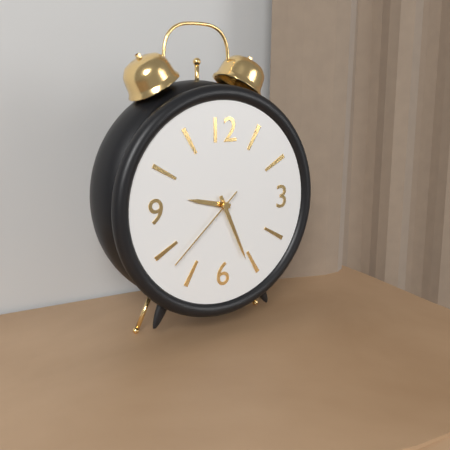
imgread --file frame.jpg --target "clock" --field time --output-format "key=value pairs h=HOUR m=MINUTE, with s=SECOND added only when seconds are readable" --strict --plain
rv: h=9 m=26 s=38
